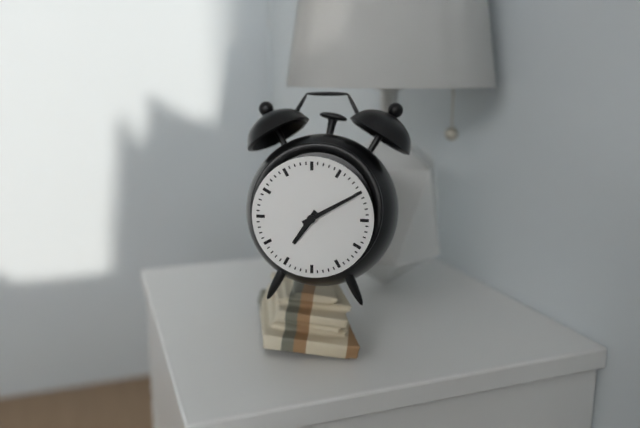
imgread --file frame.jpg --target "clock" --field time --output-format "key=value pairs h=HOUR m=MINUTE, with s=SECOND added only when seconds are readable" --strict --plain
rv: h=7 m=10
